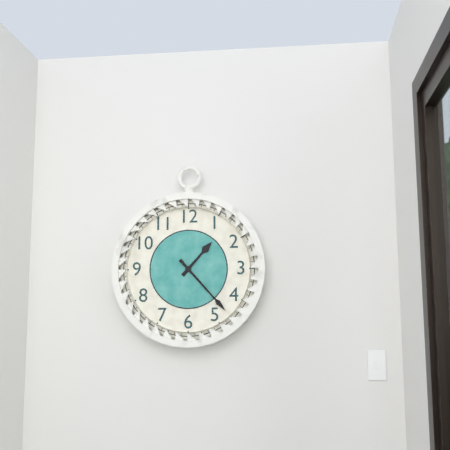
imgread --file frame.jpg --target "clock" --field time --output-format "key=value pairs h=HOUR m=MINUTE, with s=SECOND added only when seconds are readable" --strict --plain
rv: h=1 m=23
